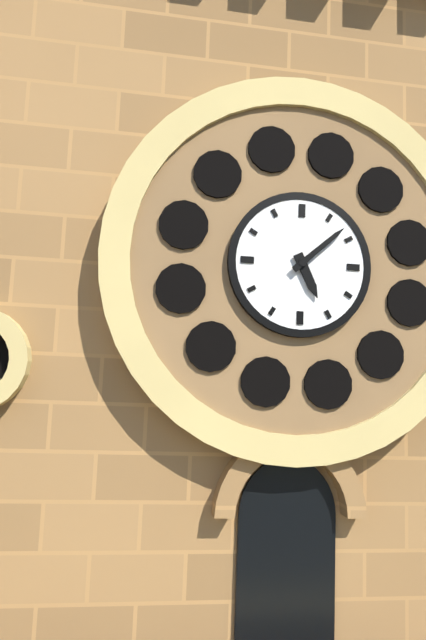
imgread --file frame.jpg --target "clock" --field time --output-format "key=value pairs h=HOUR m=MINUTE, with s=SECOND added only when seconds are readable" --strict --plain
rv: h=5 m=8
